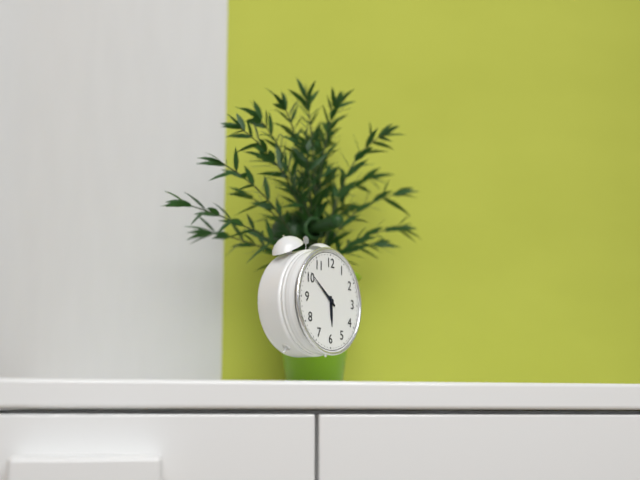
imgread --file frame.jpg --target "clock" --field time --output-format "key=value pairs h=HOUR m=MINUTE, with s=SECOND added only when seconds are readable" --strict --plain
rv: h=5 m=51
